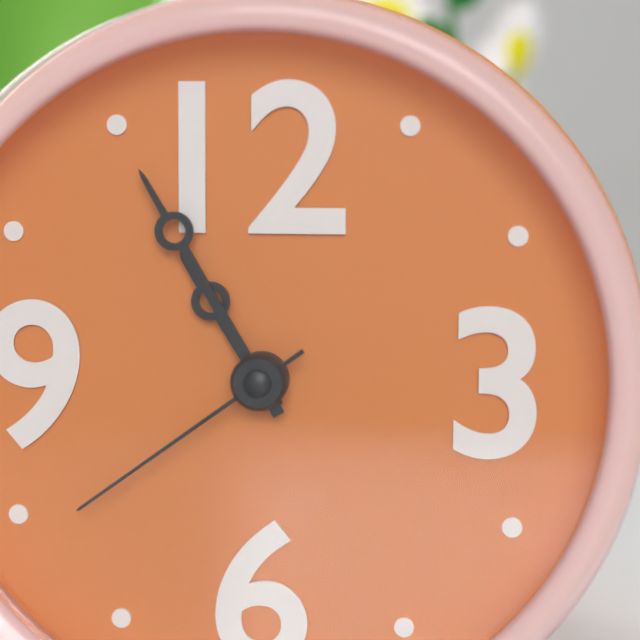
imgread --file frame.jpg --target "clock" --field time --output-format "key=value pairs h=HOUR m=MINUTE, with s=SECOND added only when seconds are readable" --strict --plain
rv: h=10 m=55 s=39
